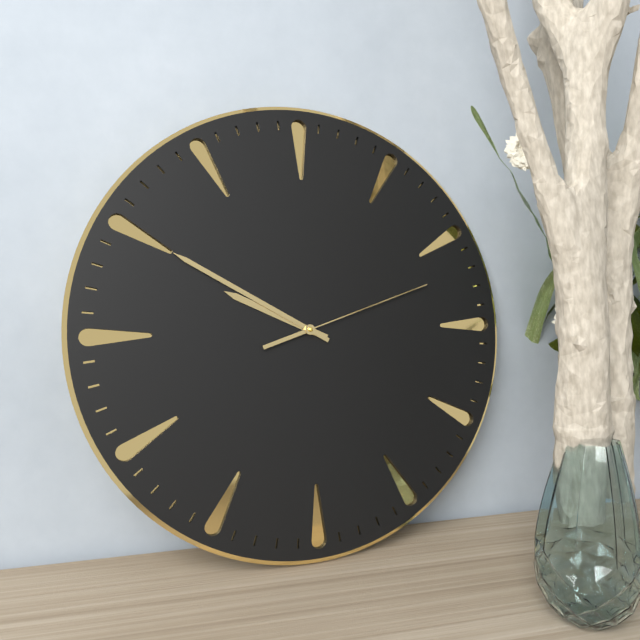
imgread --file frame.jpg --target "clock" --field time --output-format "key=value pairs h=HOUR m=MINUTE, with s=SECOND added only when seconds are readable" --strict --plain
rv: h=9 m=50 s=12
